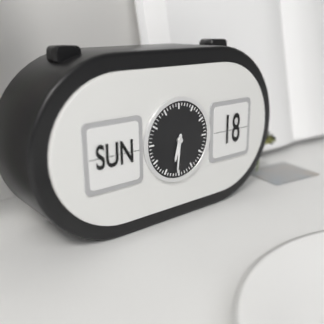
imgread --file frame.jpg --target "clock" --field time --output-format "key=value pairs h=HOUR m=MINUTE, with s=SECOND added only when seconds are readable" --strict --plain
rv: h=6 m=31
